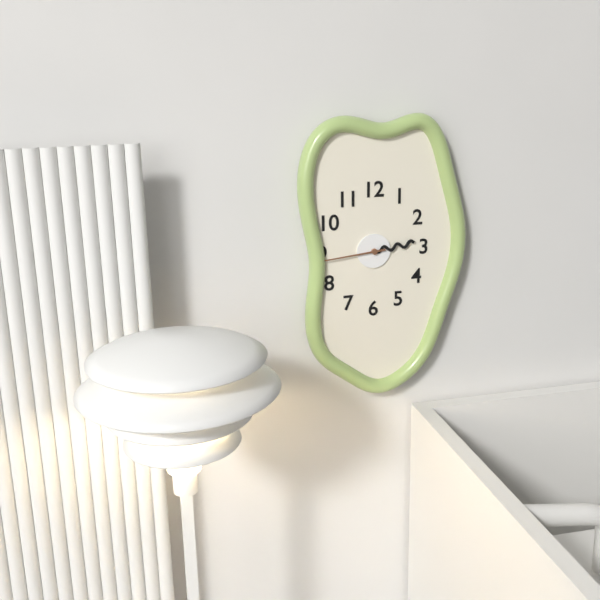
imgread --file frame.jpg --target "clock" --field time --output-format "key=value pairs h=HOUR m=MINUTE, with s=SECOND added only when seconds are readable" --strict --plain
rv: h=2 m=44
